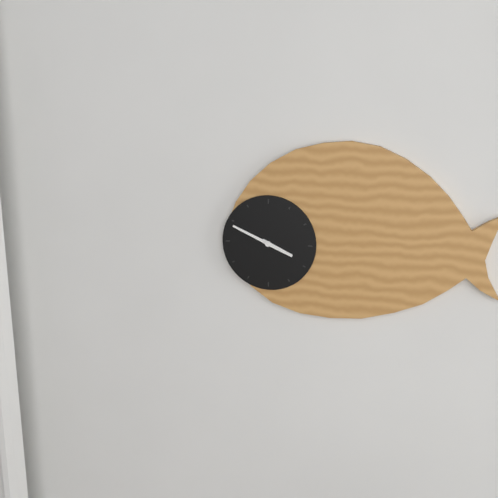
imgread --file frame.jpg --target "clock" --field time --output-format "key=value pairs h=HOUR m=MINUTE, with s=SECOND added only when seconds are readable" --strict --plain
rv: h=3 m=49
